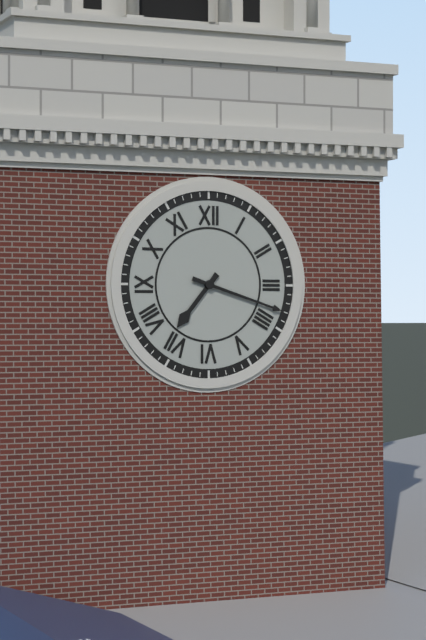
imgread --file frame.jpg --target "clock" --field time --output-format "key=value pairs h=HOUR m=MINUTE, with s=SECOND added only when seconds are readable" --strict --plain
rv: h=7 m=18
